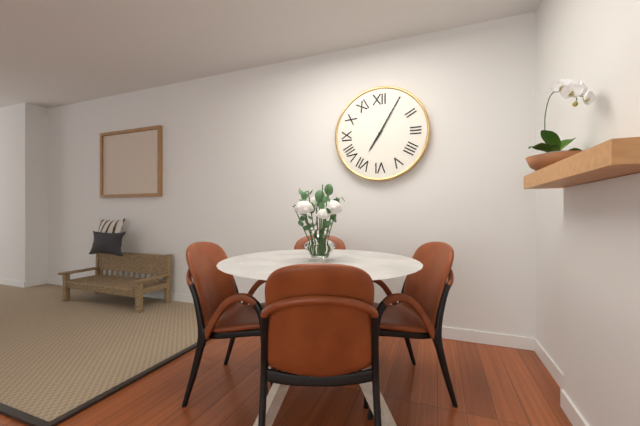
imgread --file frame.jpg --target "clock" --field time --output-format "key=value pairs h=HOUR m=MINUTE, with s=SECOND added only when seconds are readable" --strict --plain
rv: h=7 m=5
